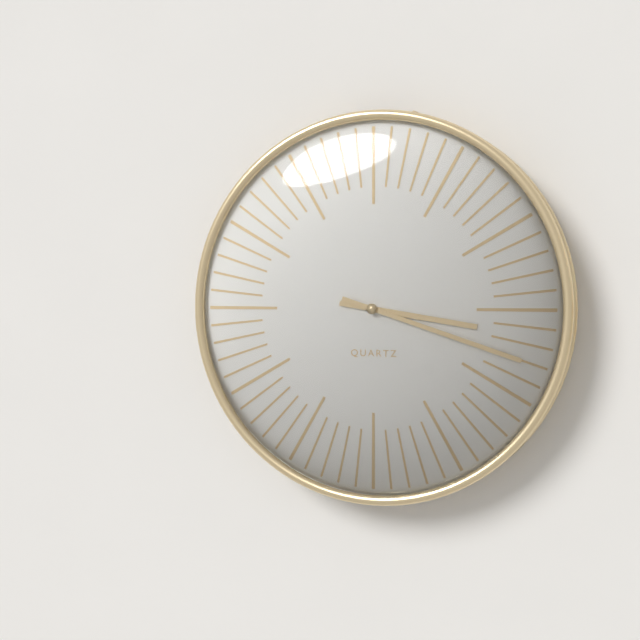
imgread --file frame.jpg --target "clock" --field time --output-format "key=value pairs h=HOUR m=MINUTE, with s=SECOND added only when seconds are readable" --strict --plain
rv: h=3 m=18
